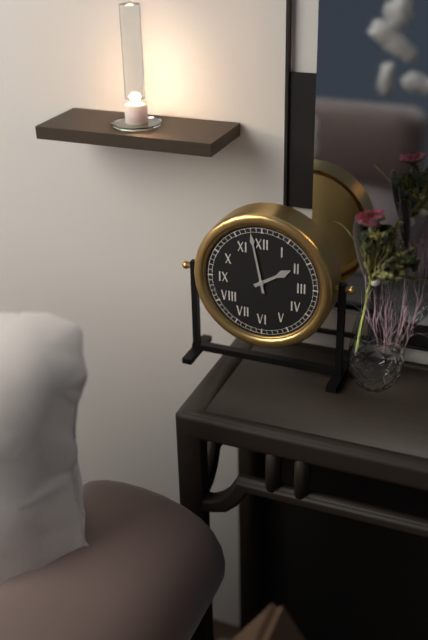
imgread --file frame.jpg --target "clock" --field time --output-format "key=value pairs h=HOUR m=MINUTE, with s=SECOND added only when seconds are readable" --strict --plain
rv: h=1 m=58
